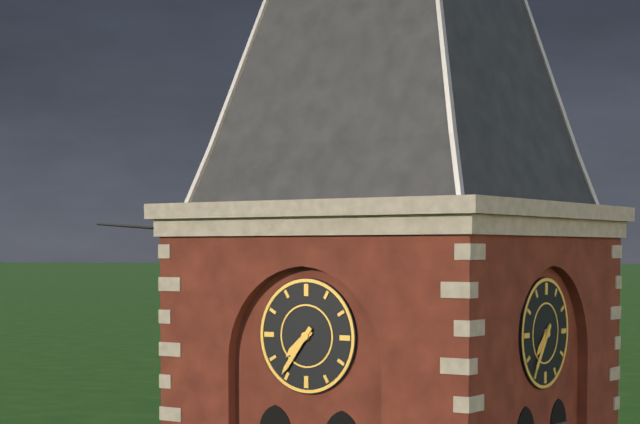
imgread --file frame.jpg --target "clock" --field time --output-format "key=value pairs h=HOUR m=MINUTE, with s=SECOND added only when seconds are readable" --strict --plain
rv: h=7 m=36
